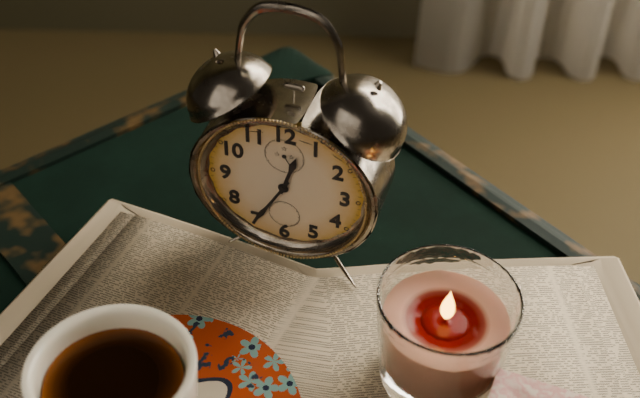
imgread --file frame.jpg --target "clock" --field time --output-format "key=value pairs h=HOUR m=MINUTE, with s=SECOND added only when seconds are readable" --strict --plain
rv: h=12 m=35
